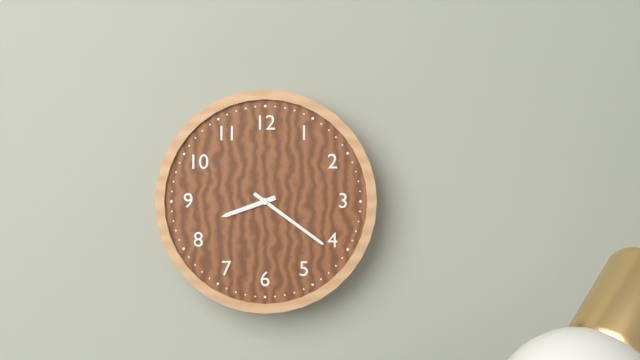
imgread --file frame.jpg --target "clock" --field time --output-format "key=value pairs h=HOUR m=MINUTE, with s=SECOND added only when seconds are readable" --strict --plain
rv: h=8 m=21
